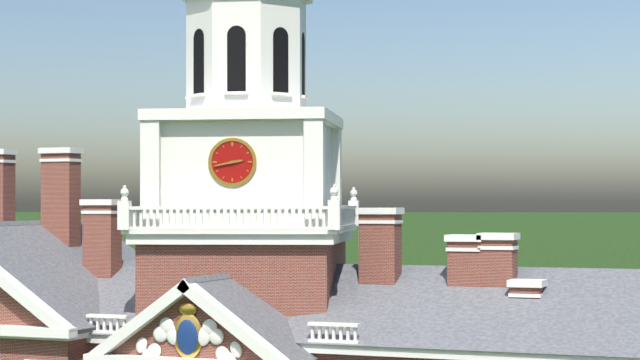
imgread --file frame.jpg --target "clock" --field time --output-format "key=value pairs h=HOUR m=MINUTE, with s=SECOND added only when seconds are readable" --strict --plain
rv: h=2 m=43
